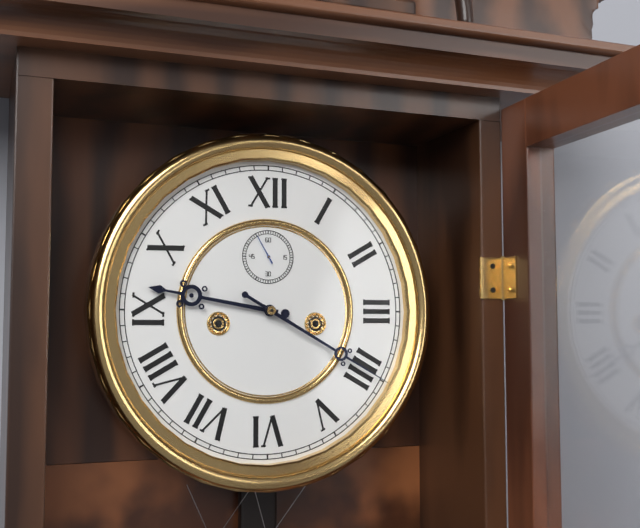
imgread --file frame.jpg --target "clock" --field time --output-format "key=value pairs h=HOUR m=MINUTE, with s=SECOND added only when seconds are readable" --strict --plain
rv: h=9 m=20
